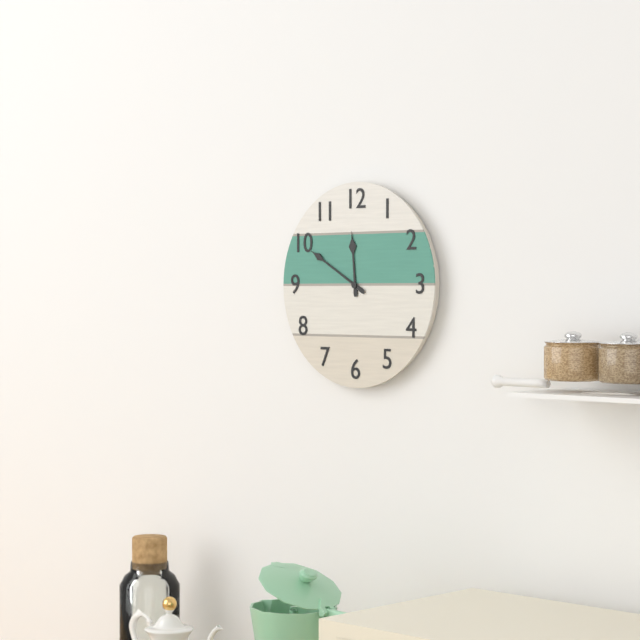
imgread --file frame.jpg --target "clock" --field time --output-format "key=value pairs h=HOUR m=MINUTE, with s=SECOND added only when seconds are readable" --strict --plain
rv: h=11 m=50
